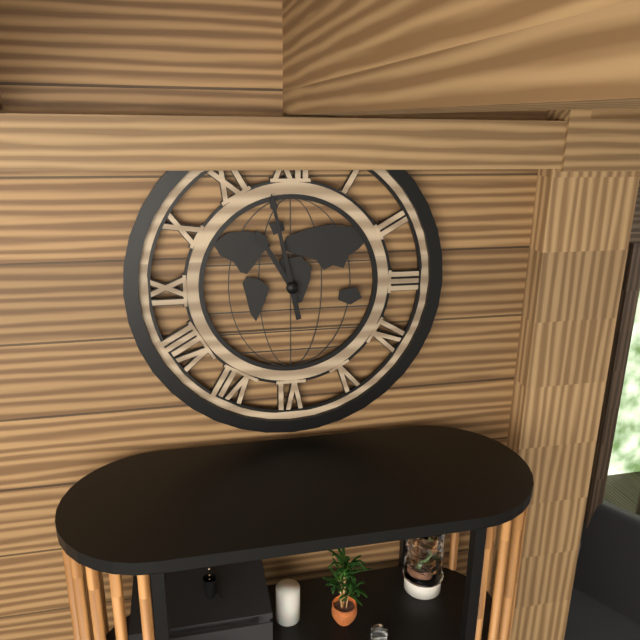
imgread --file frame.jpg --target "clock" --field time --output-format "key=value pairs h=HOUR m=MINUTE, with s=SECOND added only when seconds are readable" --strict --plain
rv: h=10 m=58
